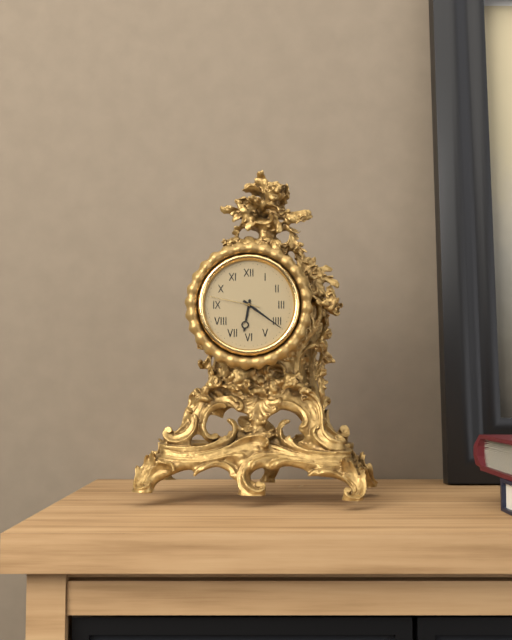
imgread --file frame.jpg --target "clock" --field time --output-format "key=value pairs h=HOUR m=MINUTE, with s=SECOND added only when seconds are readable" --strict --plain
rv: h=6 m=21 s=47
